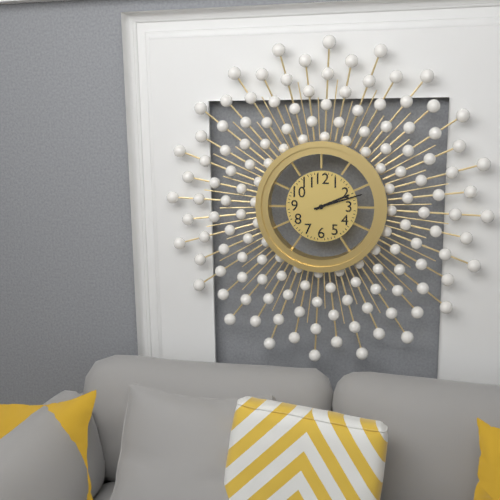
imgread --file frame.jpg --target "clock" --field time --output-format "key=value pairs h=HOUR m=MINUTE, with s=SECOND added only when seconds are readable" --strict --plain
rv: h=2 m=12
